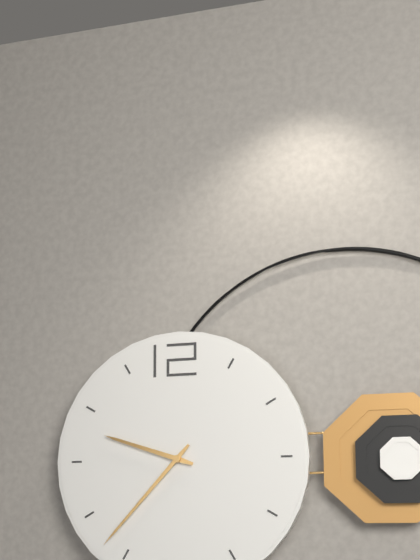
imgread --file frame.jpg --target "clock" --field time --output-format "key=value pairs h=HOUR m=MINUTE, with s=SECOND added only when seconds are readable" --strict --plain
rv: h=9 m=37
